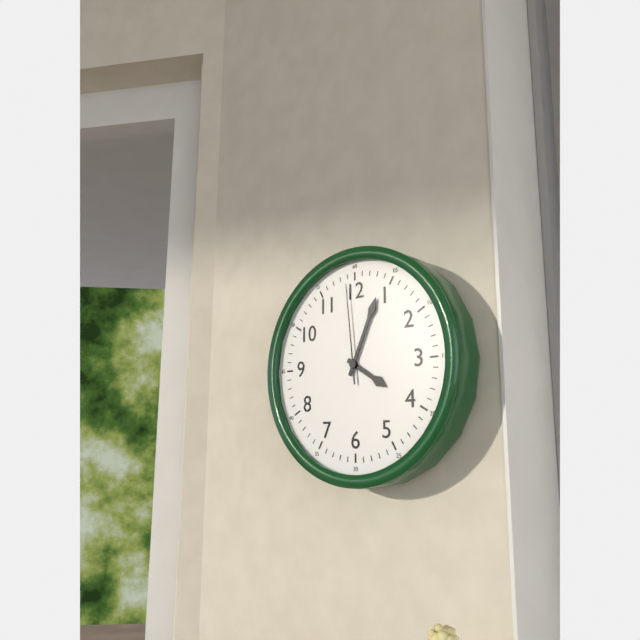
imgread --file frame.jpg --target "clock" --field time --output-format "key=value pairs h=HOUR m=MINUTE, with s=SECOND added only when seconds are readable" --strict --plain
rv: h=4 m=4 s=59
